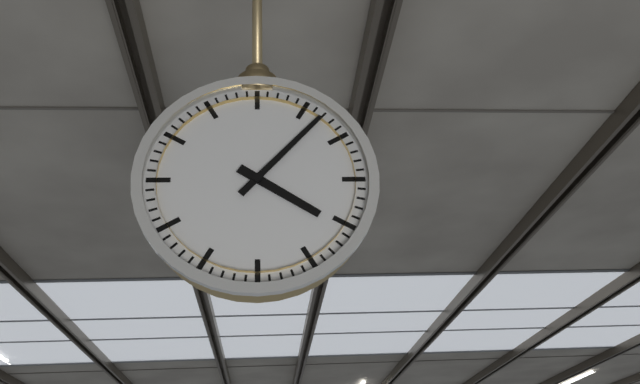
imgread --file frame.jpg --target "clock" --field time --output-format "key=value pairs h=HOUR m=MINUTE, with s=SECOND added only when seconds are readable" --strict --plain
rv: h=4 m=7
